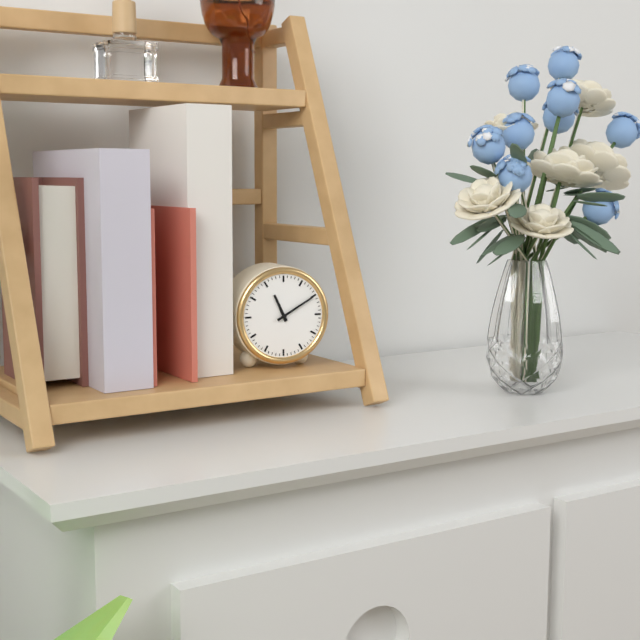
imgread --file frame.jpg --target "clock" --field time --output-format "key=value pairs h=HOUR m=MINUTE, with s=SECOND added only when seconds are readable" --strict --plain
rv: h=11 m=10
